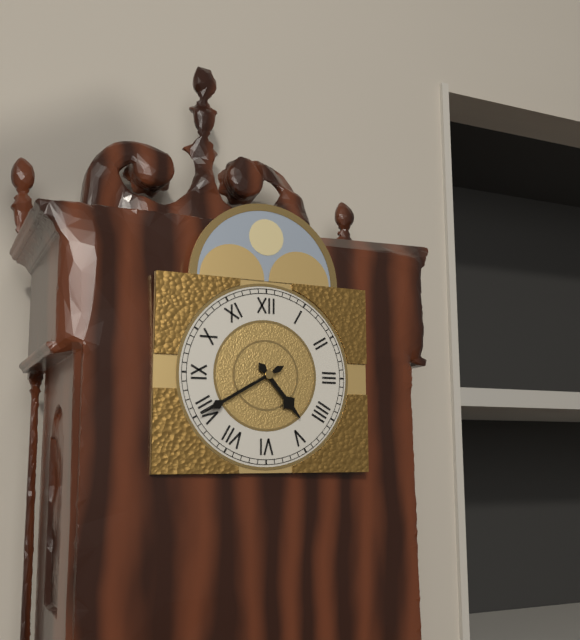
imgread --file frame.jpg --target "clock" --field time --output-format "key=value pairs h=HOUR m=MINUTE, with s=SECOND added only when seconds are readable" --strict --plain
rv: h=4 m=40
